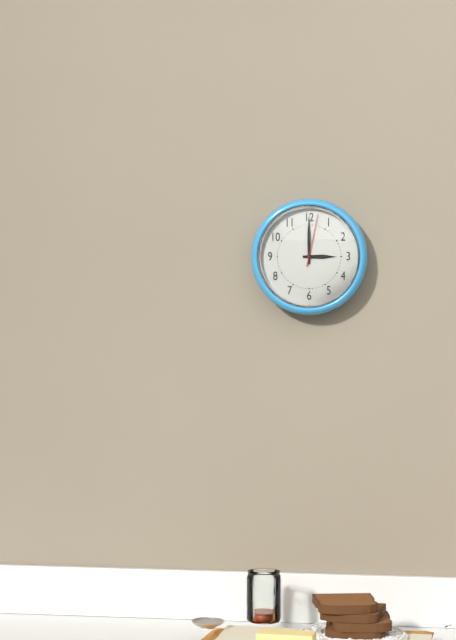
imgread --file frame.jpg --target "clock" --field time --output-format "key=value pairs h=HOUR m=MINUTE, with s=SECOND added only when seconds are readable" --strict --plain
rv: h=3 m=0 s=2
